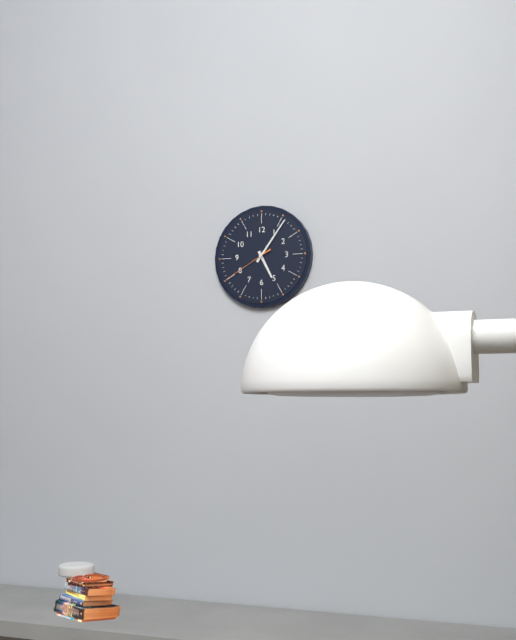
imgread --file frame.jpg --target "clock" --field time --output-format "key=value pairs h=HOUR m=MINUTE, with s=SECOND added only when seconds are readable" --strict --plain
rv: h=5 m=6 s=40
